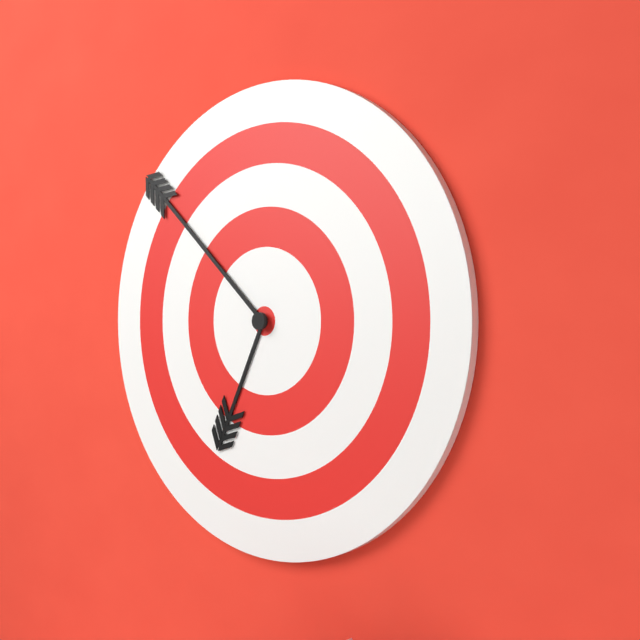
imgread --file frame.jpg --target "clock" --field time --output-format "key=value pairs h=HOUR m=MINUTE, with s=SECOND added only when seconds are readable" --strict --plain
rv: h=6 m=52
